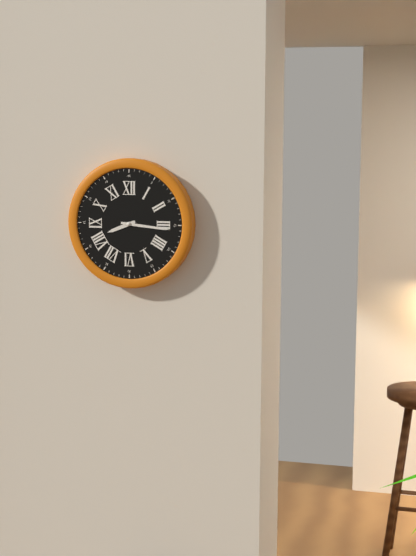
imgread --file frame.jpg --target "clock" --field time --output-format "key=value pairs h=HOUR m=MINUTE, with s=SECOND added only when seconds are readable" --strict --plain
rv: h=8 m=16
